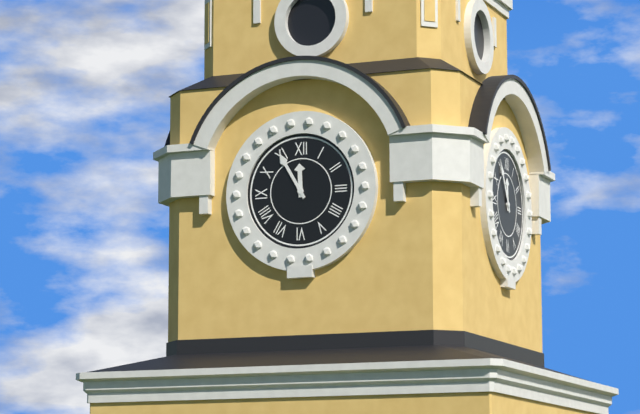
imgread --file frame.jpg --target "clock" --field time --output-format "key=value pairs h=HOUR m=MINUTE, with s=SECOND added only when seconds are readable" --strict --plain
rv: h=11 m=55
